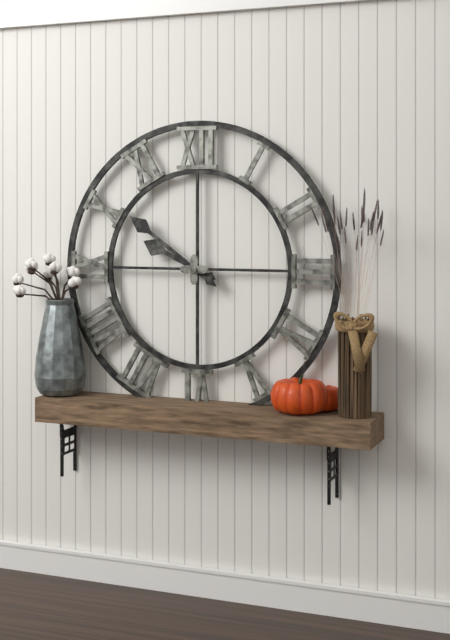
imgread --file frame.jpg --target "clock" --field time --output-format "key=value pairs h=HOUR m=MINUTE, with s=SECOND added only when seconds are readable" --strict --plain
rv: h=9 m=51
